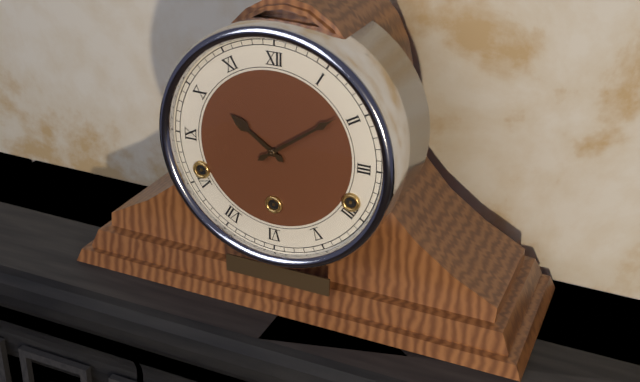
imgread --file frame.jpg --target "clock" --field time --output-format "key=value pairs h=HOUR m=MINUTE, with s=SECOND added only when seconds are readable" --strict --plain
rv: h=10 m=9
